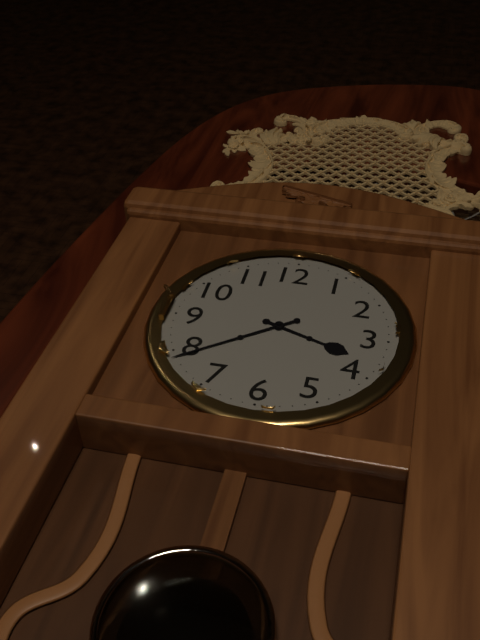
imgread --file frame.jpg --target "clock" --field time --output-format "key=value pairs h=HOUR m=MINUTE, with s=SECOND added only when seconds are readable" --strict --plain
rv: h=3 m=39
